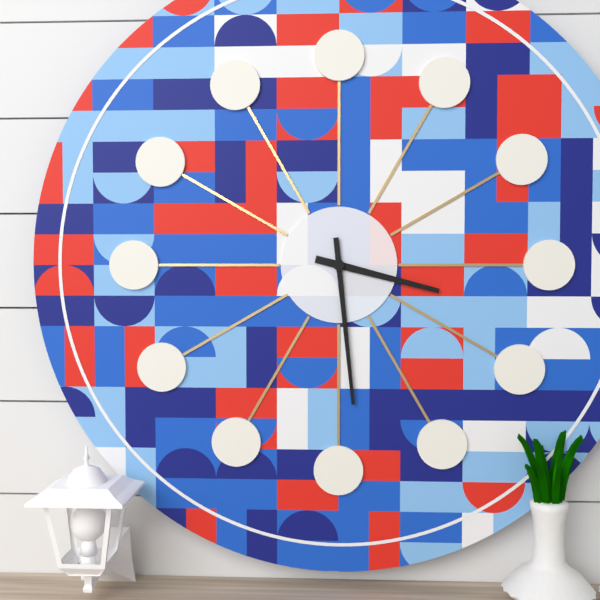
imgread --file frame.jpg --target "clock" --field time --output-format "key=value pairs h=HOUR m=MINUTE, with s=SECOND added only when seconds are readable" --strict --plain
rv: h=3 m=29
